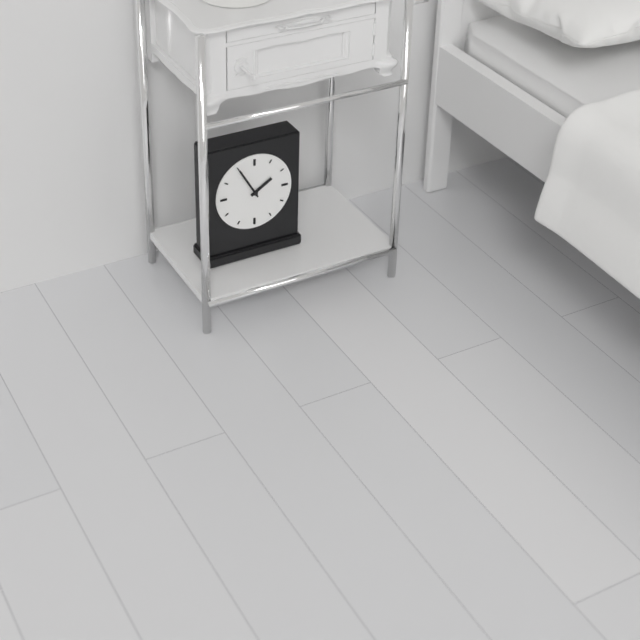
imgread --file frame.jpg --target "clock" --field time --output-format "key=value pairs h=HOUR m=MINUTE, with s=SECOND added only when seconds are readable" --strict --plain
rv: h=1 m=55
